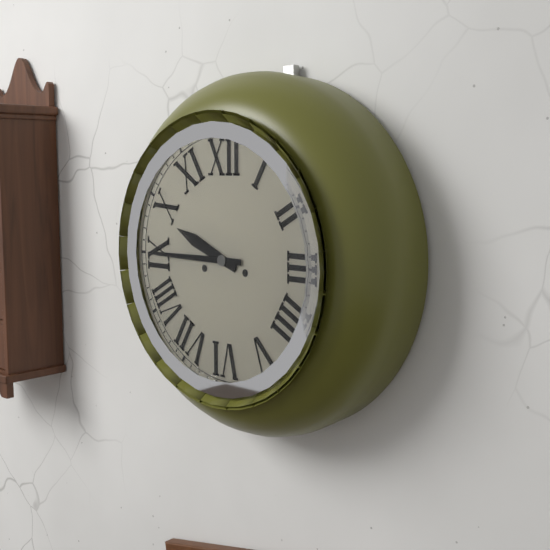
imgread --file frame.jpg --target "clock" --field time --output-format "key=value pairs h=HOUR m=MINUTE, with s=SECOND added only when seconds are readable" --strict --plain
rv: h=9 m=45
